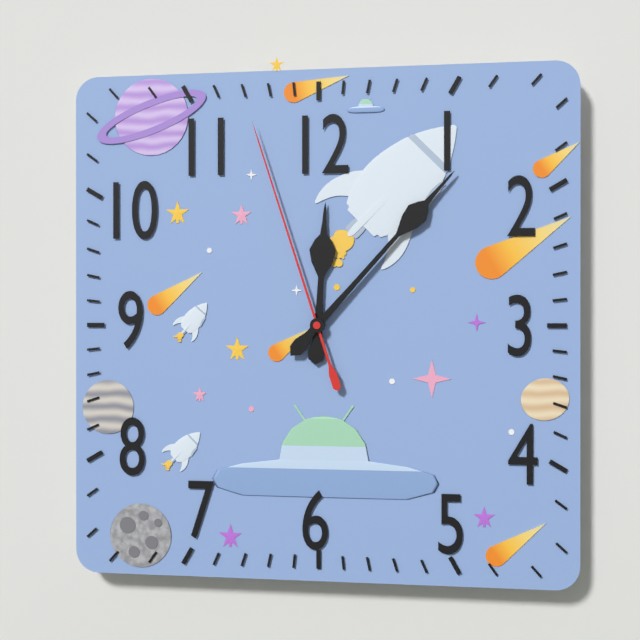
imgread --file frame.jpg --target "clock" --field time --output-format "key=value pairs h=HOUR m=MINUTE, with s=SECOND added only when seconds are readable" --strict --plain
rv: h=12 m=7 s=57
